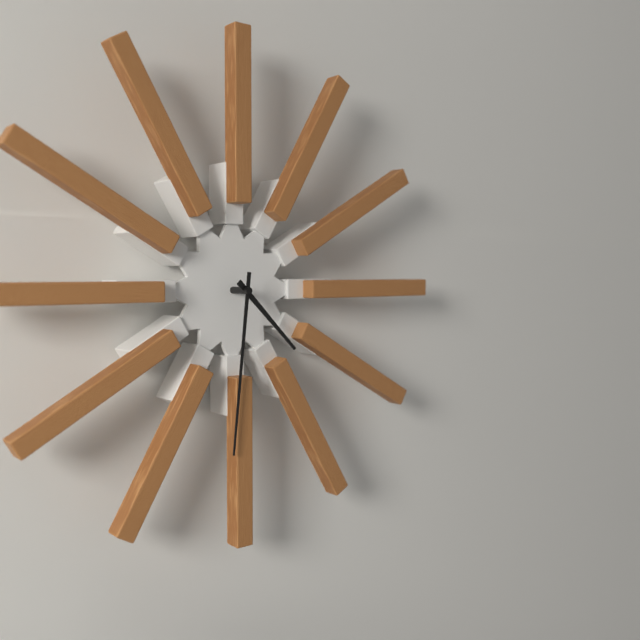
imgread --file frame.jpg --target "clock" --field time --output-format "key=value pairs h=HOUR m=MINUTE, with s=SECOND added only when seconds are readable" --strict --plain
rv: h=4 m=31
